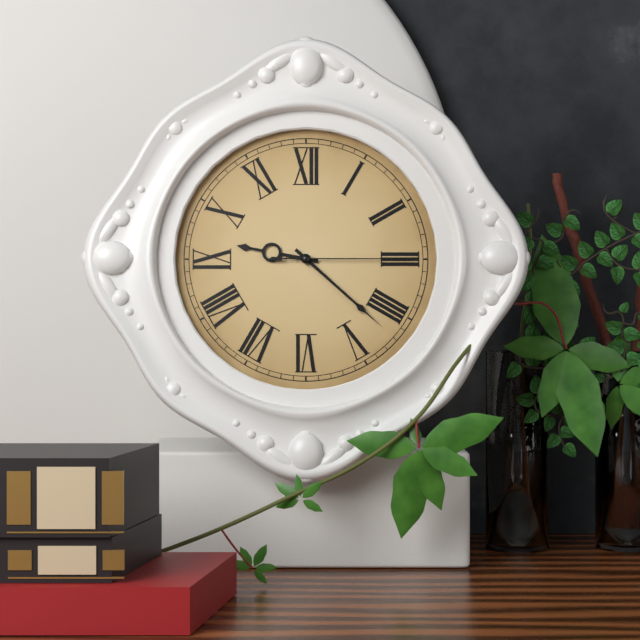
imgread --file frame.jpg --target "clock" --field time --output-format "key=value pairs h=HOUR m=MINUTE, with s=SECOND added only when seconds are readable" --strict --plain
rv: h=9 m=22 s=15
